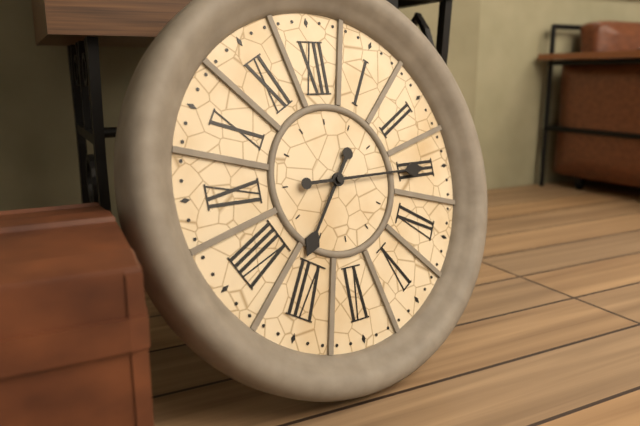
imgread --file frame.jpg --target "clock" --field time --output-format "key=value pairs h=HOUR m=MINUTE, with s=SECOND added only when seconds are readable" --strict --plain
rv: h=7 m=15
